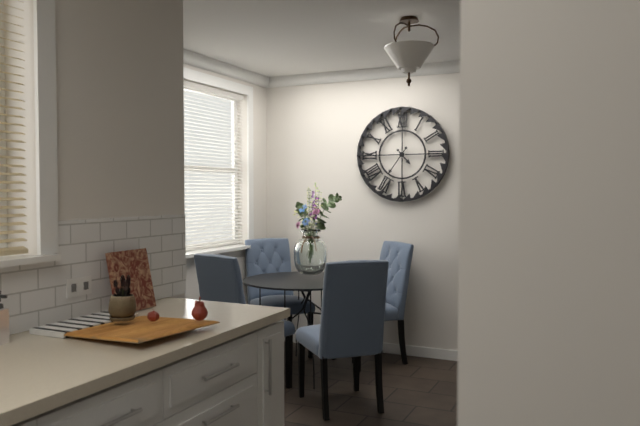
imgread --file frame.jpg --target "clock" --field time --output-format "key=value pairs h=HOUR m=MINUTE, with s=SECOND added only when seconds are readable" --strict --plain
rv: h=4 m=36
